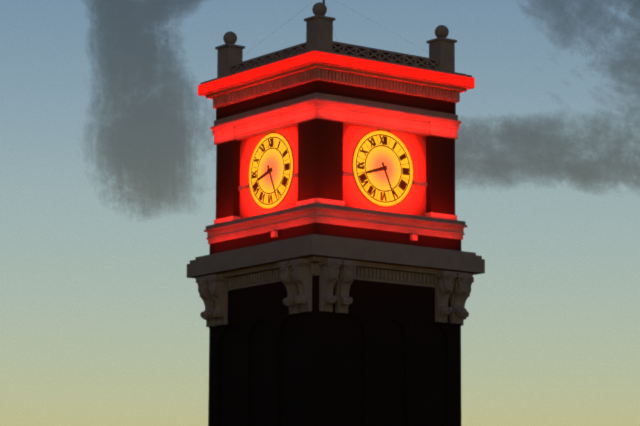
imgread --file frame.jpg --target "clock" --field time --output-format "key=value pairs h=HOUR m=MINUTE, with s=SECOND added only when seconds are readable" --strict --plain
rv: h=8 m=26
